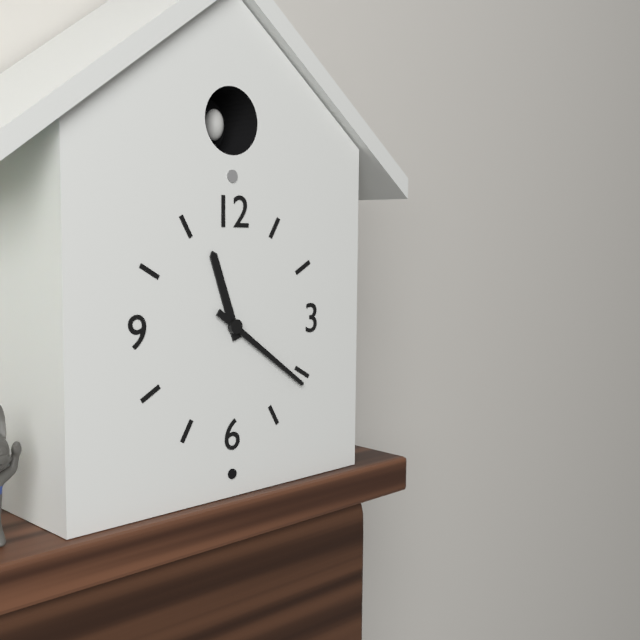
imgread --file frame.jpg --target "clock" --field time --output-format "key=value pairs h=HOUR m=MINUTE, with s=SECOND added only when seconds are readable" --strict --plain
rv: h=11 m=21
